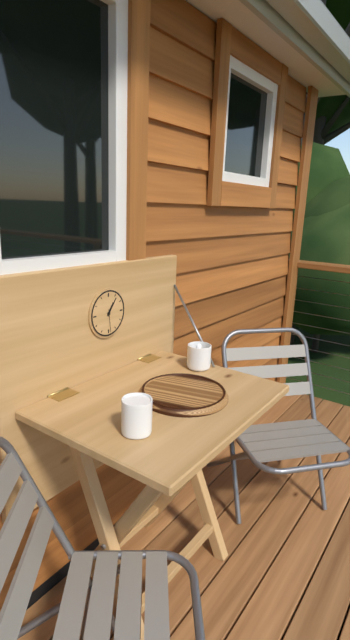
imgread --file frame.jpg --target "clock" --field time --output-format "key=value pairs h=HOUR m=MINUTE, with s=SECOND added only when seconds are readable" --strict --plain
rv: h=1 m=6
